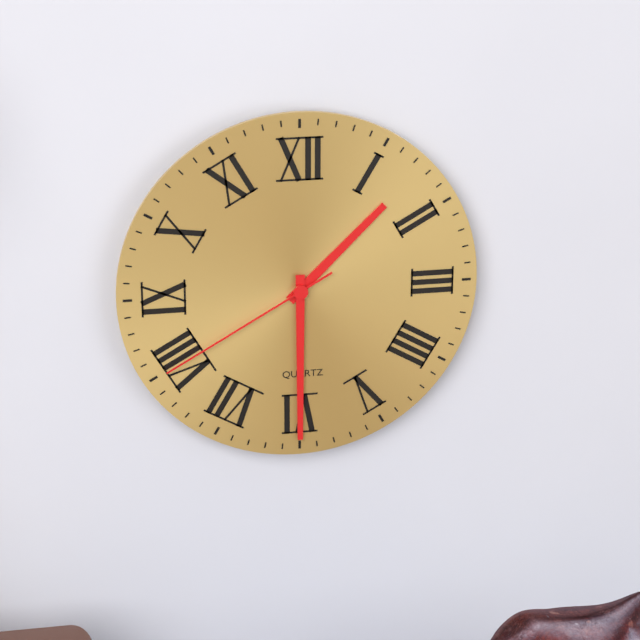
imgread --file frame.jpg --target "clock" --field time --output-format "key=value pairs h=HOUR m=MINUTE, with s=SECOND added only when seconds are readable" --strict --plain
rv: h=1 m=30 s=40
